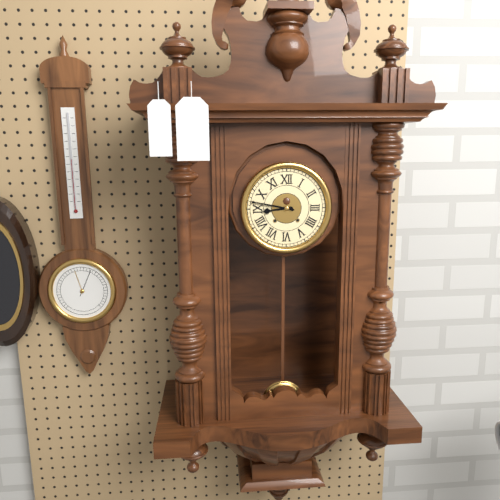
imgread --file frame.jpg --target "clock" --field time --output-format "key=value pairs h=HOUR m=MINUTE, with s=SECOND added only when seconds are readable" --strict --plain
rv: h=8 m=47
